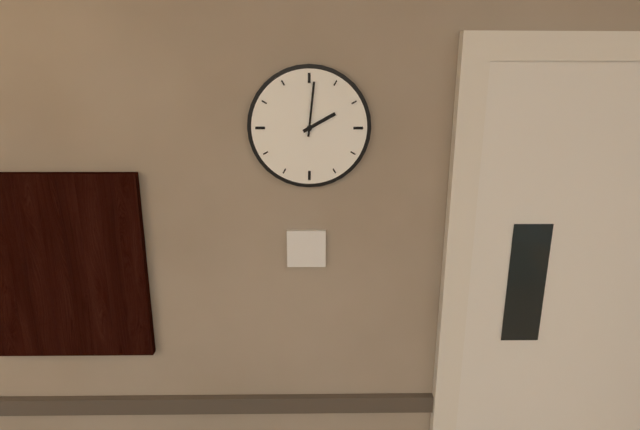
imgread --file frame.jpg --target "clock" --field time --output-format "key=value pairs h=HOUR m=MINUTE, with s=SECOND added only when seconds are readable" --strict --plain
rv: h=2 m=1
